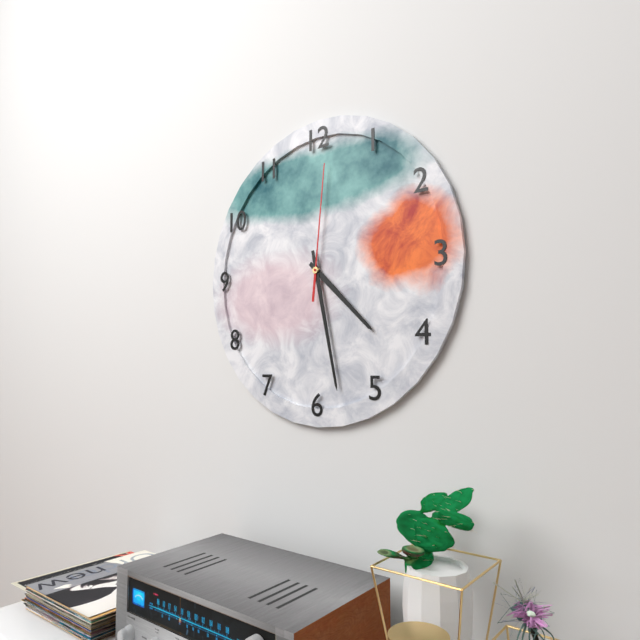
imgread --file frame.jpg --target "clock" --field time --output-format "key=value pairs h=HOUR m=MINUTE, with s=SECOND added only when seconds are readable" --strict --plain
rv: h=4 m=28 s=1
